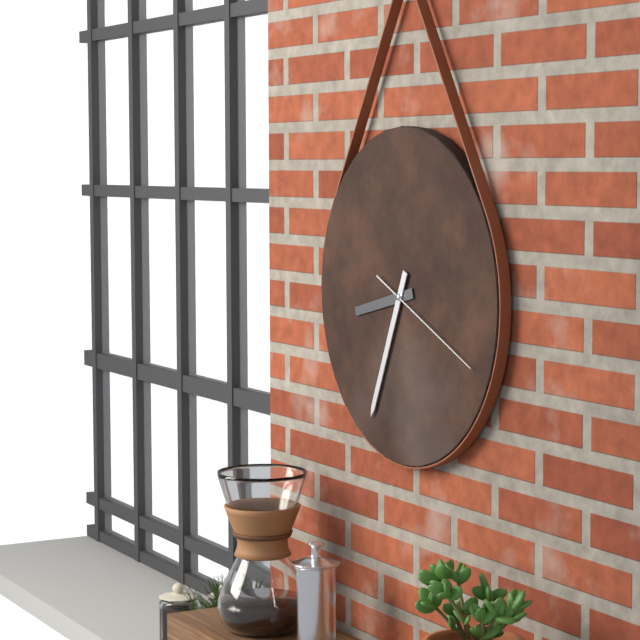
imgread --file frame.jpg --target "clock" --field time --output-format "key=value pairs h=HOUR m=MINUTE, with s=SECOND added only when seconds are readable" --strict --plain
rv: h=8 m=34 s=19
